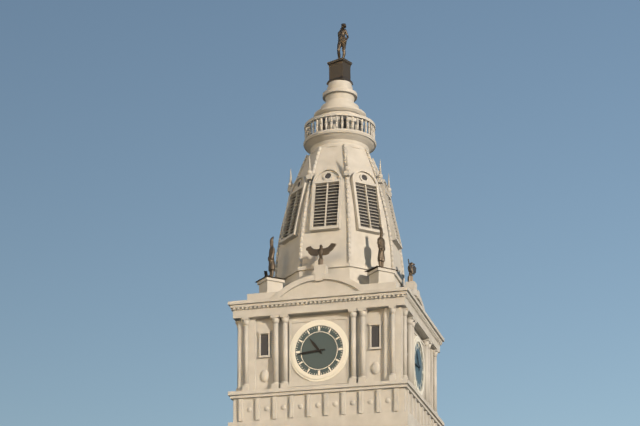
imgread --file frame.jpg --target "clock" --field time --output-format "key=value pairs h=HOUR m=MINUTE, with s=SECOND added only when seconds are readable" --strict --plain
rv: h=10 m=44
